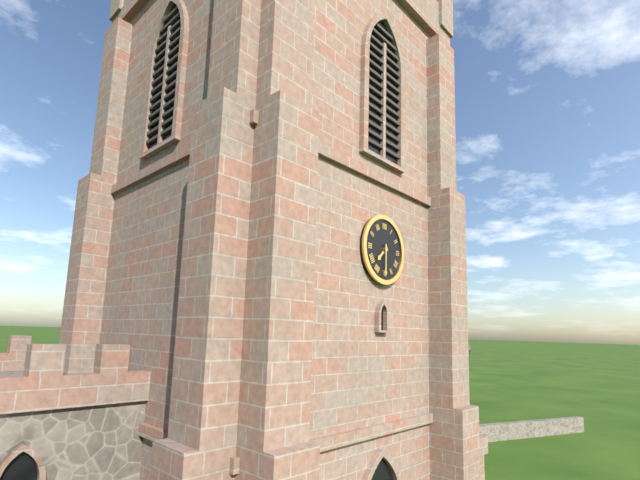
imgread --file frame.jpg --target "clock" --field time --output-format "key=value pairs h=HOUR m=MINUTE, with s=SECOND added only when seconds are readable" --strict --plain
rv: h=7 m=30
